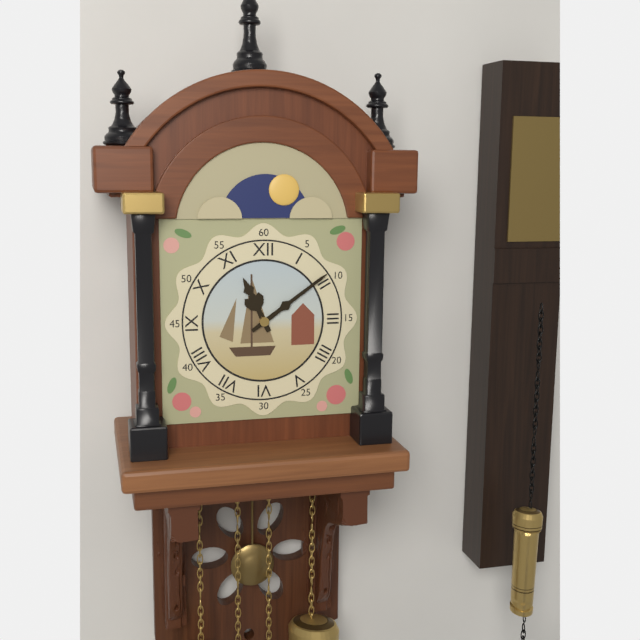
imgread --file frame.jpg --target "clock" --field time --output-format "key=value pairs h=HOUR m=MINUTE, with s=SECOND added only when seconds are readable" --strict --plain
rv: h=11 m=9
